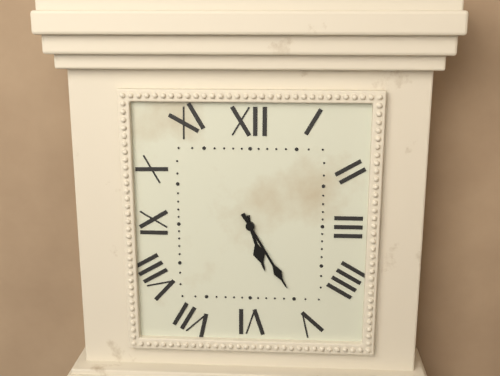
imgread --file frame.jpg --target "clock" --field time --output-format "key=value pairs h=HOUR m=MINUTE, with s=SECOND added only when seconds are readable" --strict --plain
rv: h=5 m=25
